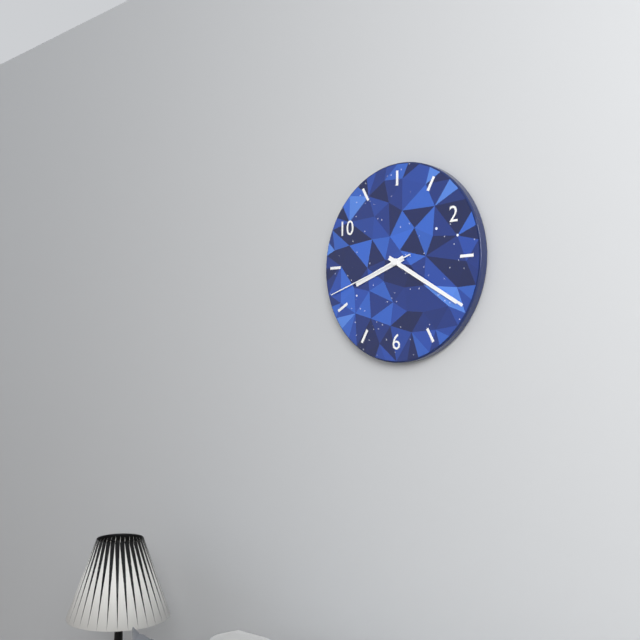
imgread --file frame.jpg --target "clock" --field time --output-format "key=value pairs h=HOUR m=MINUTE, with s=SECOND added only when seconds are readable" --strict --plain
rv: h=8 m=20 s=42
